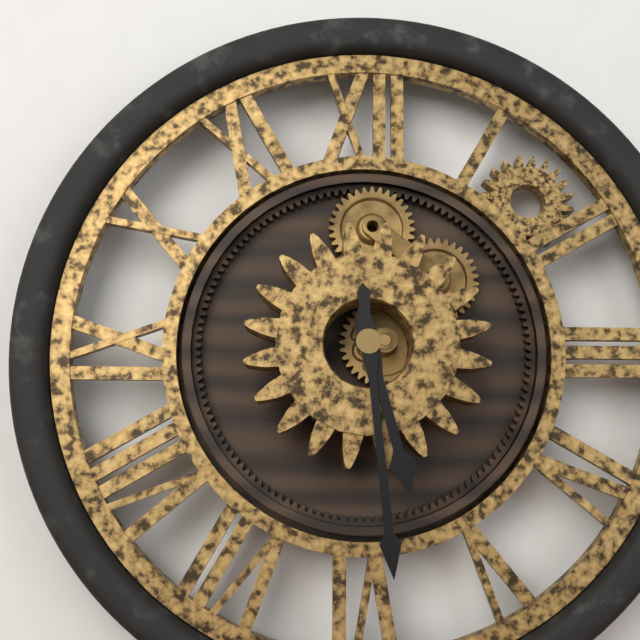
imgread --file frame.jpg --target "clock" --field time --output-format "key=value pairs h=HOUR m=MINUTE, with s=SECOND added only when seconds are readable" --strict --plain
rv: h=5 m=29
